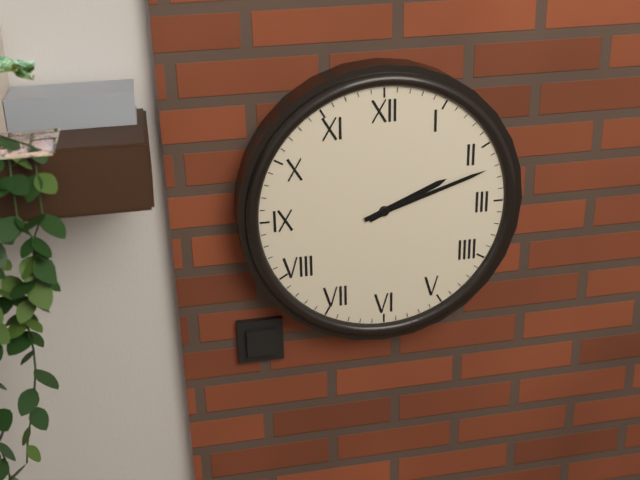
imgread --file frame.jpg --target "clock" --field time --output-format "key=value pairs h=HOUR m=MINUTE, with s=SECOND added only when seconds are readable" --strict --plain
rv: h=2 m=12
